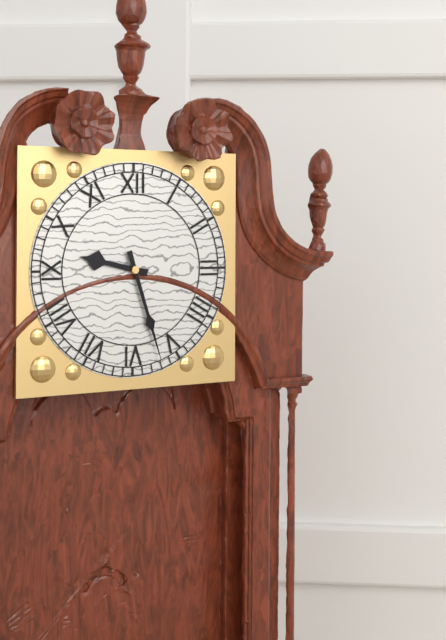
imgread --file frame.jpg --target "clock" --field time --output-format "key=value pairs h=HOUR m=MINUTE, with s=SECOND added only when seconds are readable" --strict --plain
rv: h=9 m=27
